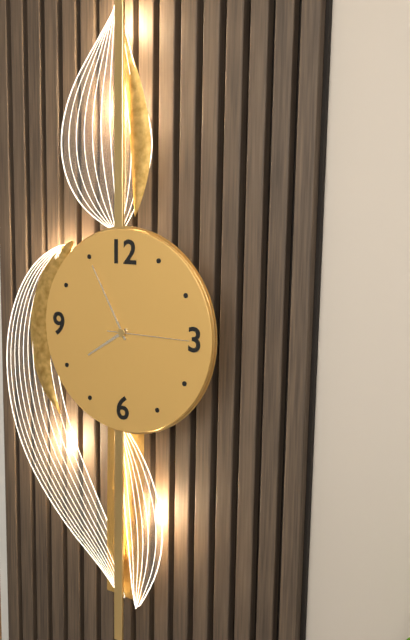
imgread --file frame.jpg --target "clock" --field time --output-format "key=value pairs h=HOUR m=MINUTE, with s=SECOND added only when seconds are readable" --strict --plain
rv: h=7 m=55 s=15
